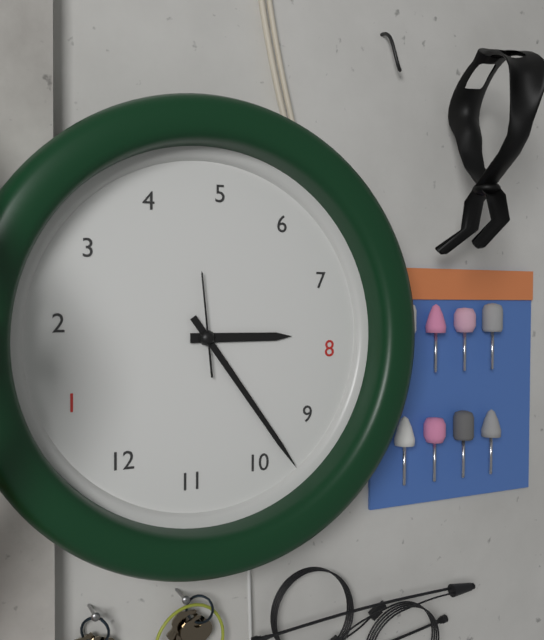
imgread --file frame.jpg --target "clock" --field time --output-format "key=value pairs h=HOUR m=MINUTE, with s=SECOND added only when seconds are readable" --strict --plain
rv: h=7 m=48 s=23
